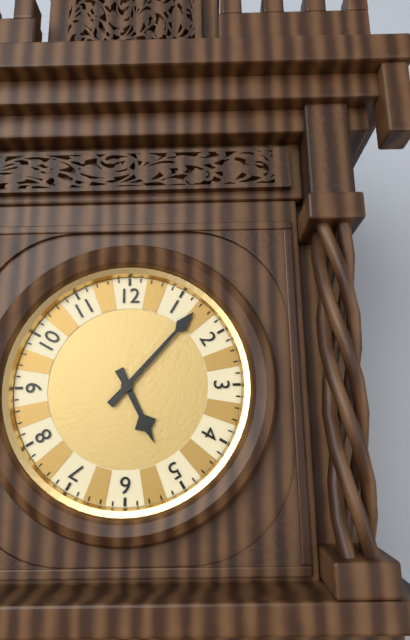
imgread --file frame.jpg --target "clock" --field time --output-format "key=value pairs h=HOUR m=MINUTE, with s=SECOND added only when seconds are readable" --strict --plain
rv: h=5 m=7
